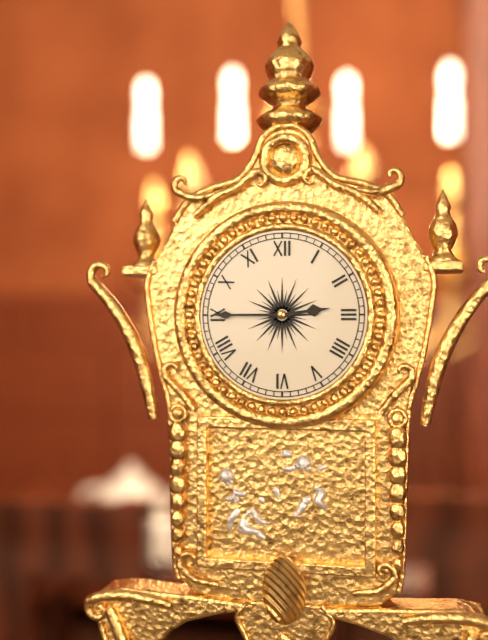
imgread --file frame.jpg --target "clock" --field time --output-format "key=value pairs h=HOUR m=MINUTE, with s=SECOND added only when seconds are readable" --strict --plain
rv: h=2 m=45
